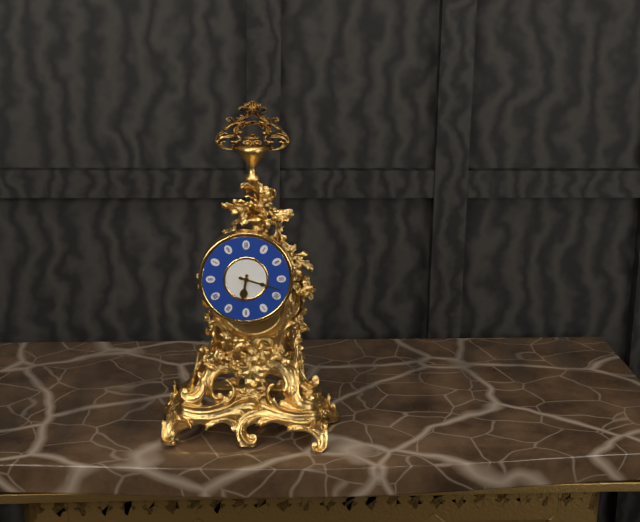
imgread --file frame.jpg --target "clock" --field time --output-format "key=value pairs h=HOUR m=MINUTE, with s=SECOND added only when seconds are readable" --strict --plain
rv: h=6 m=18
